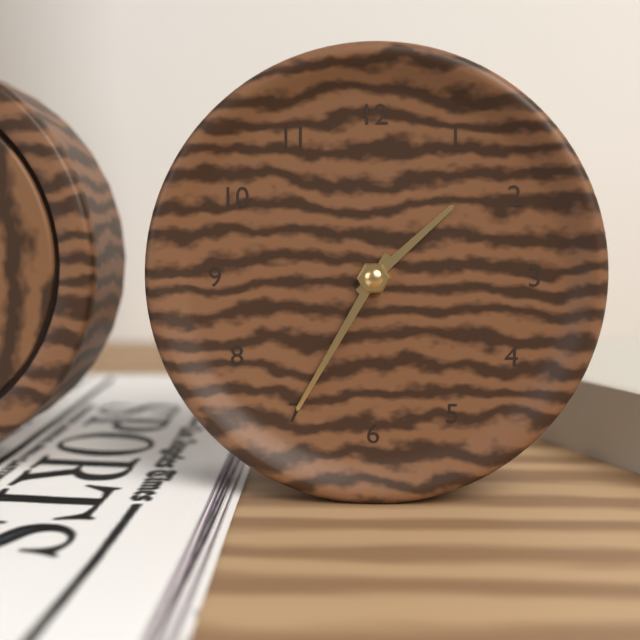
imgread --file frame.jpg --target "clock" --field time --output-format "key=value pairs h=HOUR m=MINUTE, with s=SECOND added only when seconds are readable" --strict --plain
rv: h=1 m=35
